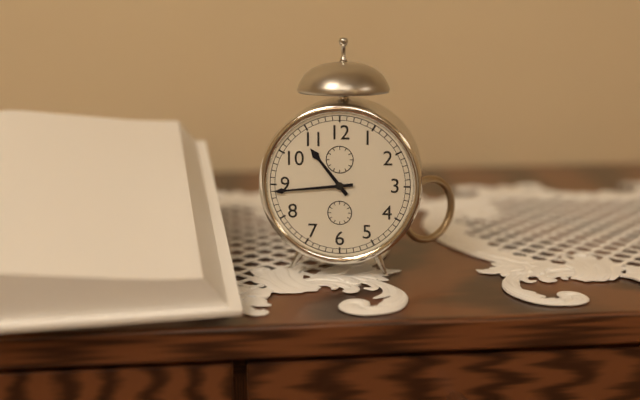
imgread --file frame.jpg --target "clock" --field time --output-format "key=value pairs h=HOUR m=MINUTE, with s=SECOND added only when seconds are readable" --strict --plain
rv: h=10 m=44
